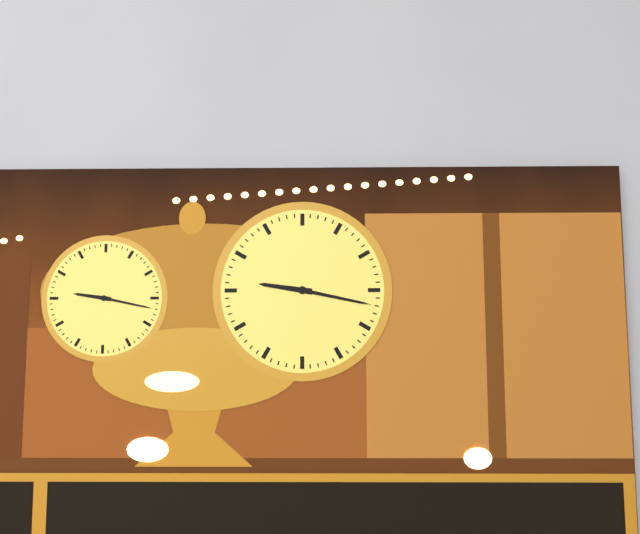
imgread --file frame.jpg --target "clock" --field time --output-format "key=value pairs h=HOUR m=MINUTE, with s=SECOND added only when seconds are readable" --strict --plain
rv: h=9 m=17
